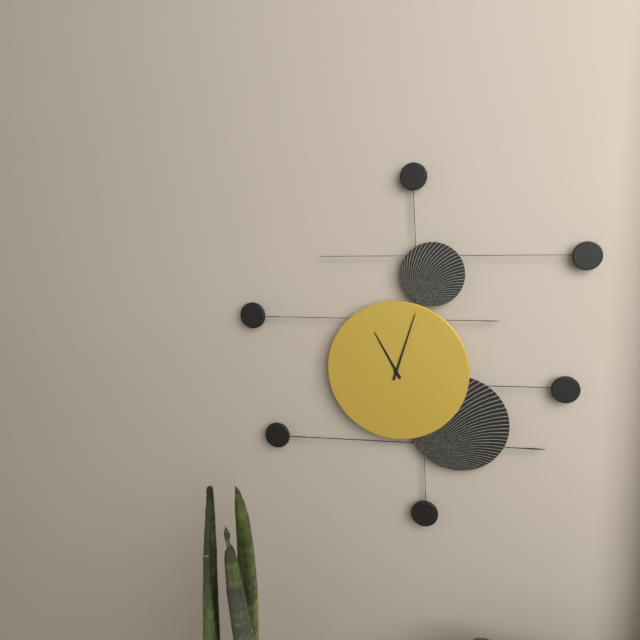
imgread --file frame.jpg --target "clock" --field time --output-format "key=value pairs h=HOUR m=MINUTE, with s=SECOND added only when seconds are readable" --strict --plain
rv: h=11 m=3
